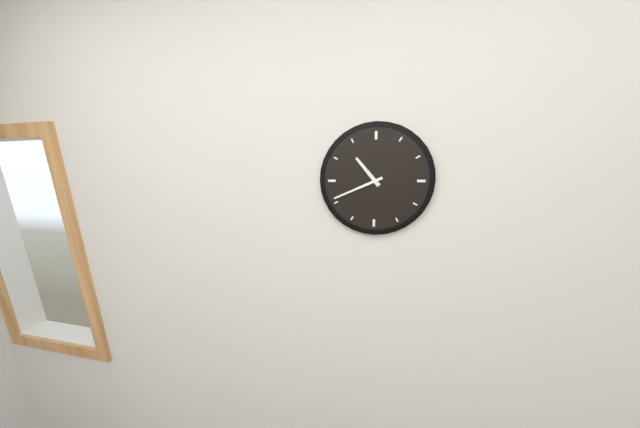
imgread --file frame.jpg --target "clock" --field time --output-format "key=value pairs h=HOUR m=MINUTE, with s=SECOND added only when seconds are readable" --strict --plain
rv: h=10 m=41
